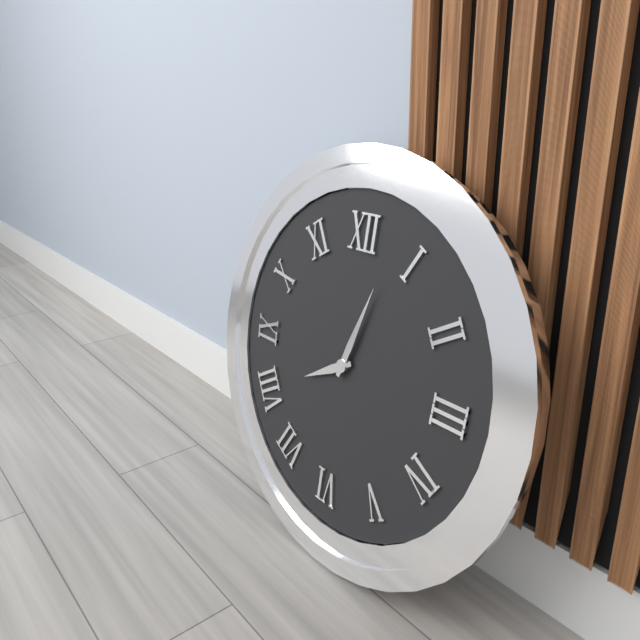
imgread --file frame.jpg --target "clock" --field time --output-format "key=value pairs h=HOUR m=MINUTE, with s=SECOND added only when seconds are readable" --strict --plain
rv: h=8 m=3
